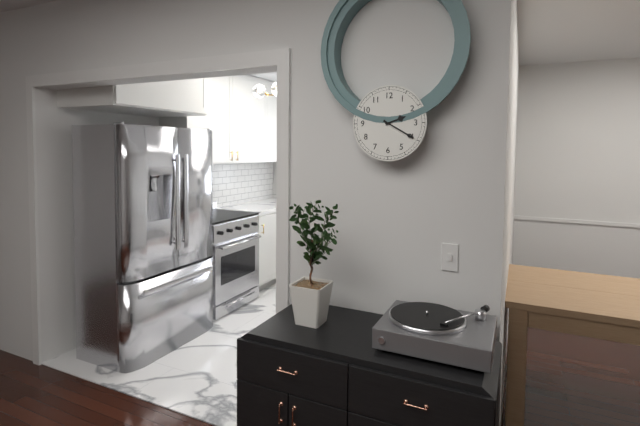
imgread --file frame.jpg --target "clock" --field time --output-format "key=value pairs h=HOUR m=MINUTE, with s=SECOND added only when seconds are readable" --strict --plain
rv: h=2 m=20
